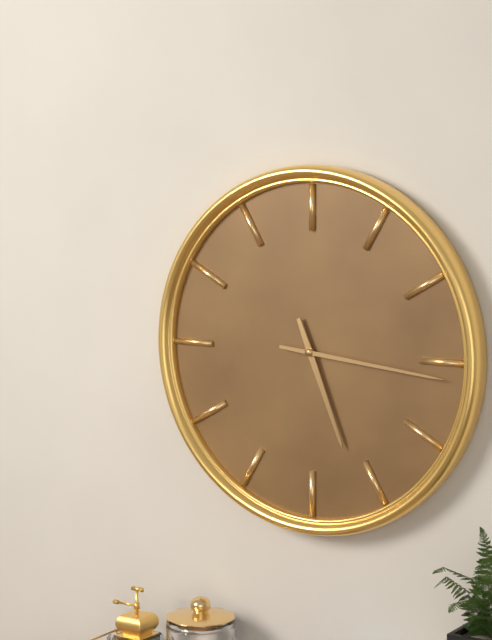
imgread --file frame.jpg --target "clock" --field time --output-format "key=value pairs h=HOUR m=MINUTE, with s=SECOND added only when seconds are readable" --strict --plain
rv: h=5 m=16
